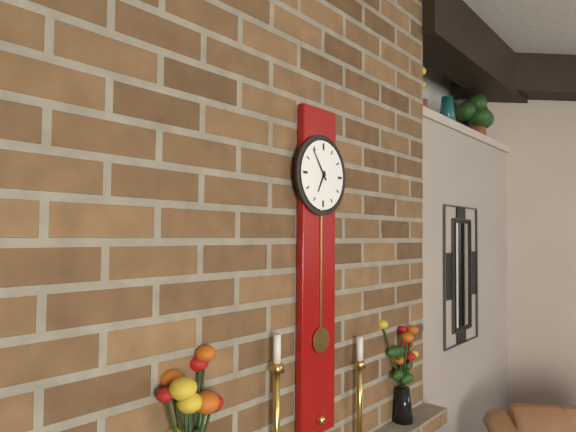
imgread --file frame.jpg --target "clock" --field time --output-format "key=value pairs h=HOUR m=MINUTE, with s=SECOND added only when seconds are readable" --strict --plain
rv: h=6 m=54
